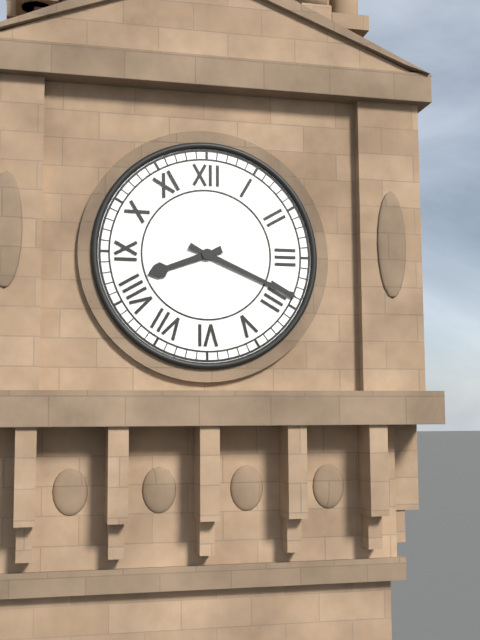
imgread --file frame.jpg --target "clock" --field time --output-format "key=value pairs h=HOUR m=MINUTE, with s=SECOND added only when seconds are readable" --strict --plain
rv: h=8 m=19
